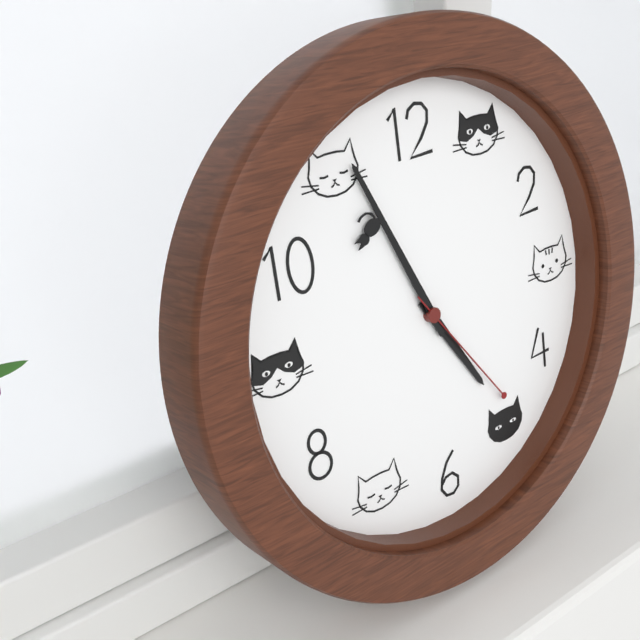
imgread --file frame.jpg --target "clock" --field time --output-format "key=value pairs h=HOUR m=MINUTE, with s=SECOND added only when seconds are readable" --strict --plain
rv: h=4 m=56 s=24
